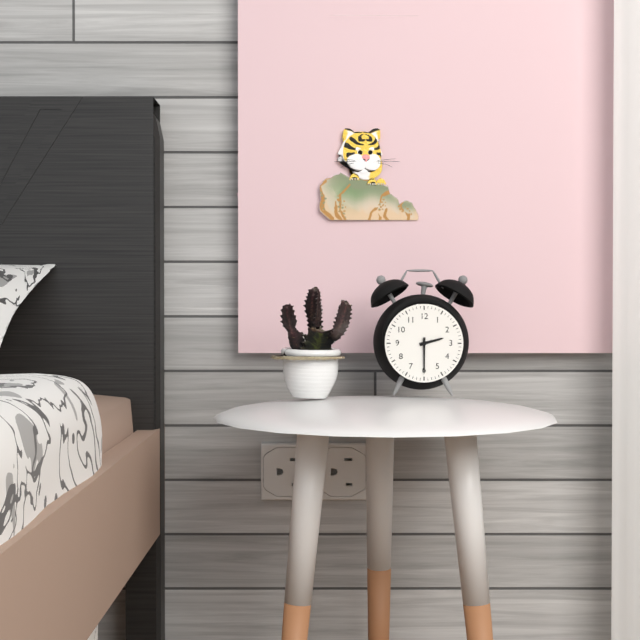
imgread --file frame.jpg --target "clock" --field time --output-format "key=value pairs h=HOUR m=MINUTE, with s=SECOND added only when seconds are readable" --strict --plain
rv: h=2 m=30
